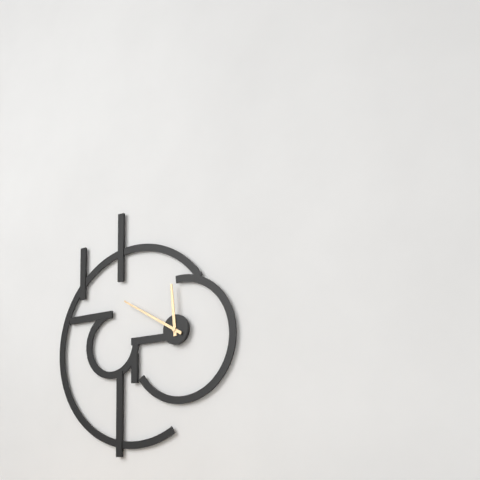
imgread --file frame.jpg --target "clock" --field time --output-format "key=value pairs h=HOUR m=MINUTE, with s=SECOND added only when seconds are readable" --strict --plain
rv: h=11 m=50
